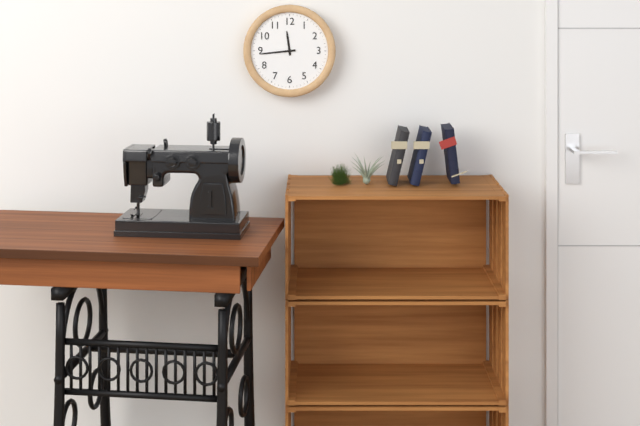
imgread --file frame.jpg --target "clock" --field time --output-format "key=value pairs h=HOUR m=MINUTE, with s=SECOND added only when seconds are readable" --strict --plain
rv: h=11 m=44
